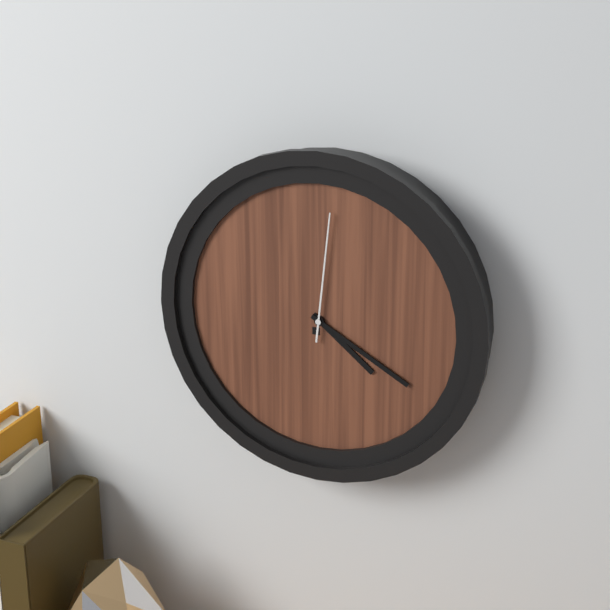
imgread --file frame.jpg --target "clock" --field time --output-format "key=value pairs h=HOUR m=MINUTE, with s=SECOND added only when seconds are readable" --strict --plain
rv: h=4 m=20 s=1
